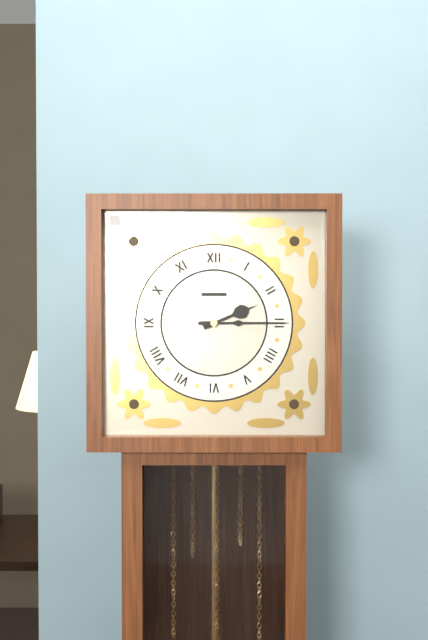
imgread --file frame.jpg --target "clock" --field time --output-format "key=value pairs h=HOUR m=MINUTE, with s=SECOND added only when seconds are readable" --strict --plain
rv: h=2 m=15
